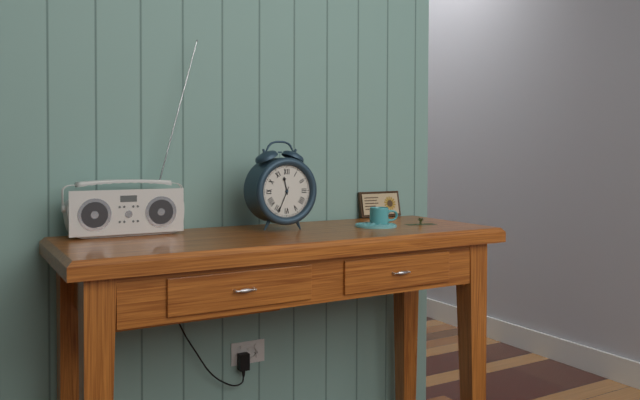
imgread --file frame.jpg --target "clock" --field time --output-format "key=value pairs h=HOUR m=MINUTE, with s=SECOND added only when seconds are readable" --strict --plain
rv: h=11 m=34
